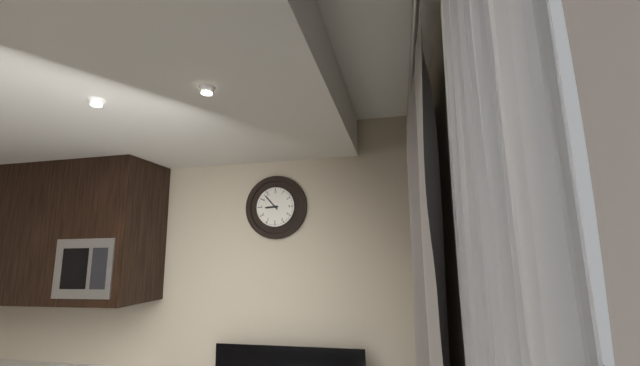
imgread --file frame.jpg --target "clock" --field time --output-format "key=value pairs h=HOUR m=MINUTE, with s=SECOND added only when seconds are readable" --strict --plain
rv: h=8 m=53
